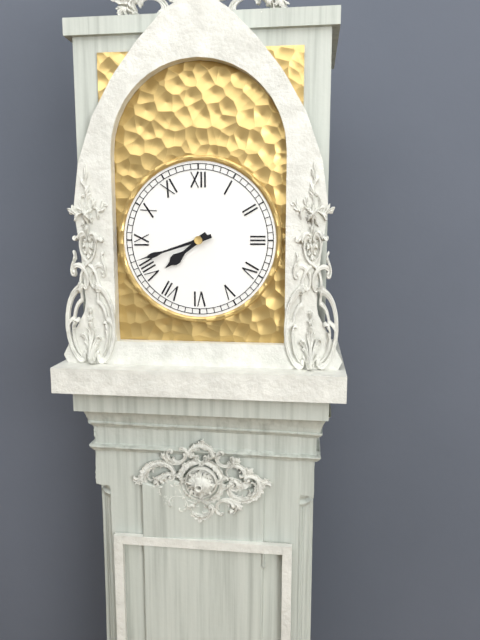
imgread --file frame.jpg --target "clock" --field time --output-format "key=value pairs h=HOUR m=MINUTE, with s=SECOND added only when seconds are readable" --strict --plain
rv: h=7 m=42
